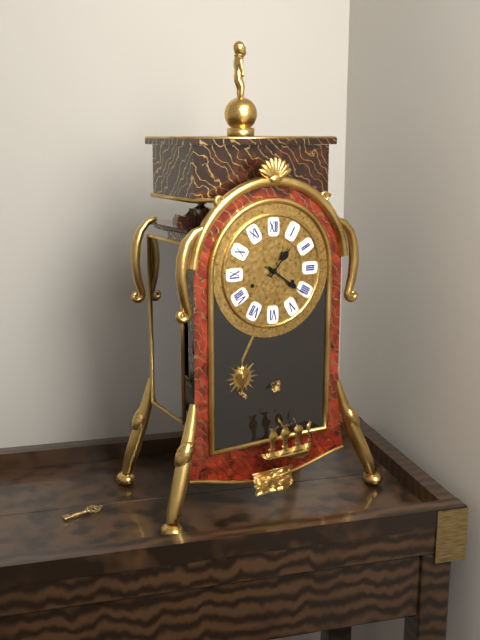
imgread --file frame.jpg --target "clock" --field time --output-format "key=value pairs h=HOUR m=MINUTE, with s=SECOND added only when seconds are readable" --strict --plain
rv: h=1 m=21
